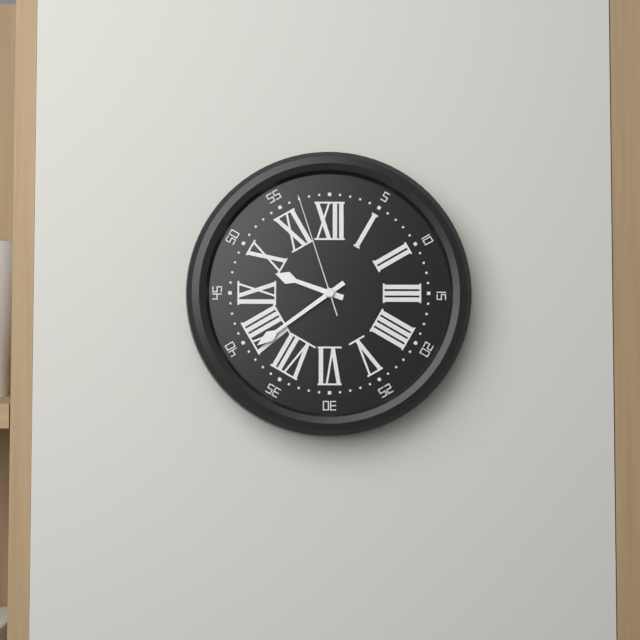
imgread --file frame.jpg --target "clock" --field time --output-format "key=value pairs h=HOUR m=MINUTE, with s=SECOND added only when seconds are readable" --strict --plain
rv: h=9 m=39 s=57
